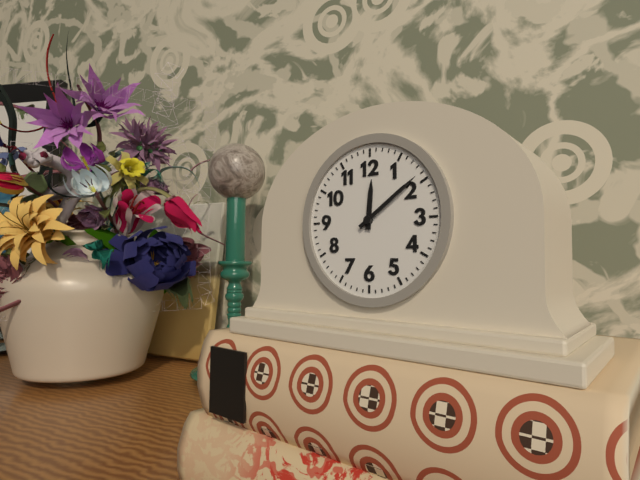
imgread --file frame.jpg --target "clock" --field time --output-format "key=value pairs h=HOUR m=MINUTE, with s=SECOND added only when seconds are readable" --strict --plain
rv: h=12 m=9
